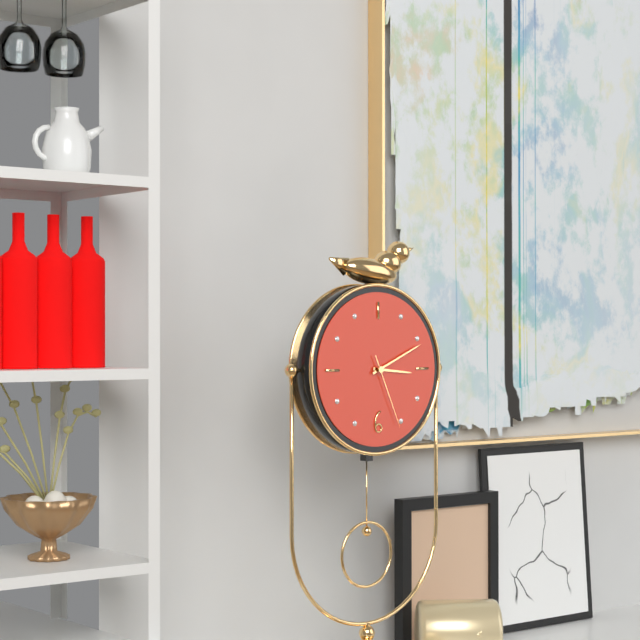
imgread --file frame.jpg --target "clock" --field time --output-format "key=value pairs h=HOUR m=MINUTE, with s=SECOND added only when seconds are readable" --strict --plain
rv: h=3 m=11 s=26
